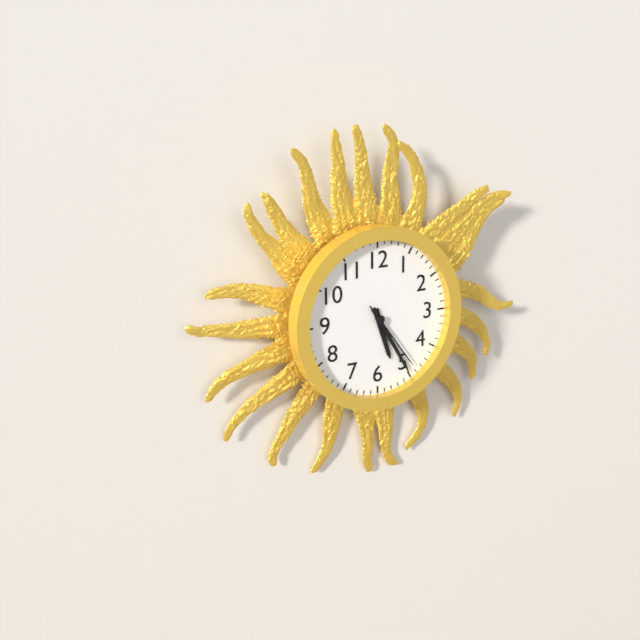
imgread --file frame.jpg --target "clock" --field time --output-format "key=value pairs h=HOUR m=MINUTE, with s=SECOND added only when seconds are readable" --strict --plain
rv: h=5 m=25 s=24
